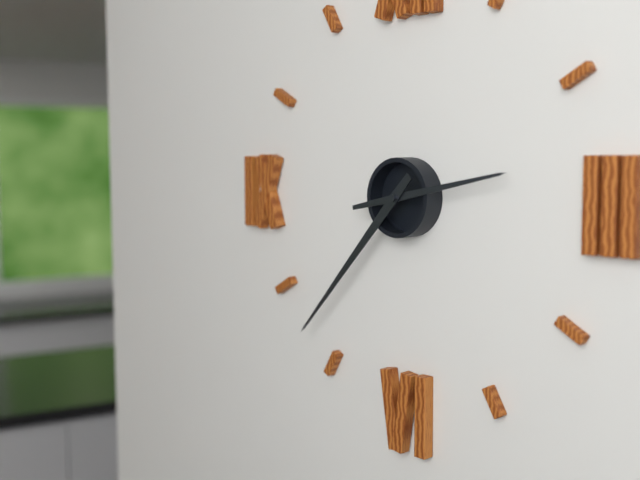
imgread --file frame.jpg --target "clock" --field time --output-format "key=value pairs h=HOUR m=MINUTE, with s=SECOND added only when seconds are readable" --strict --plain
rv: h=2 m=37
